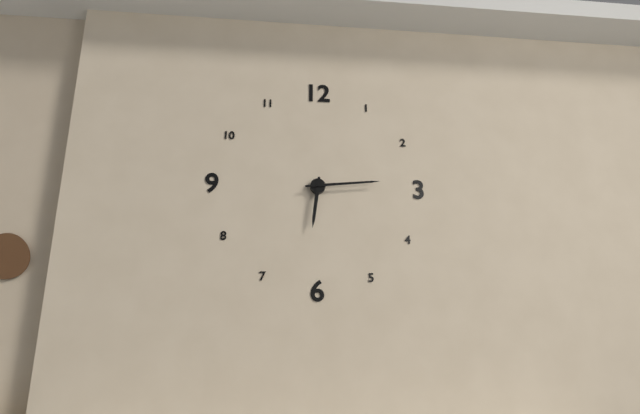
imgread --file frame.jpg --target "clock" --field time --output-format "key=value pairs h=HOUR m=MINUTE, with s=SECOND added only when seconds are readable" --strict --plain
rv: h=6 m=14
